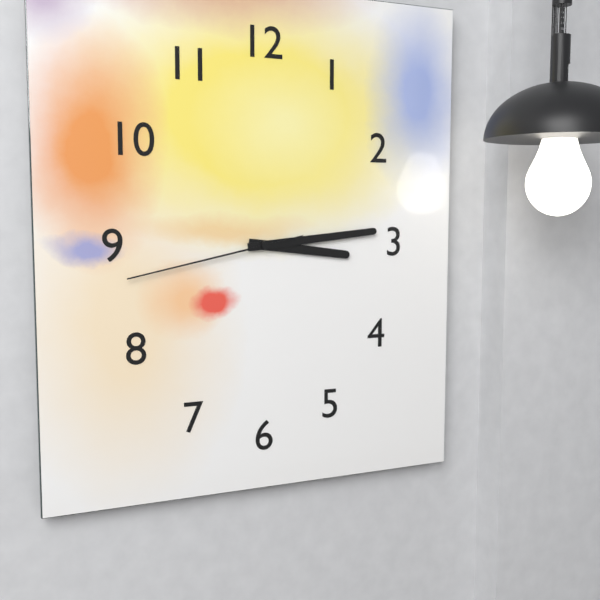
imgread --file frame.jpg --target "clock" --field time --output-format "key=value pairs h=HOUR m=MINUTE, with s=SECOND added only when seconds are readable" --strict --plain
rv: h=3 m=14 s=43
